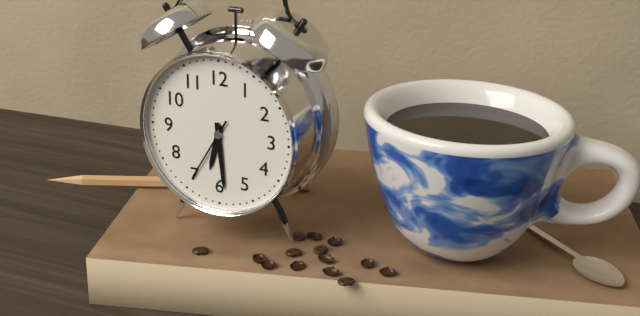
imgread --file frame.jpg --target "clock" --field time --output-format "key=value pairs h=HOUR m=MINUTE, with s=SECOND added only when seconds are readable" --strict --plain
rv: h=6 m=29 s=35
